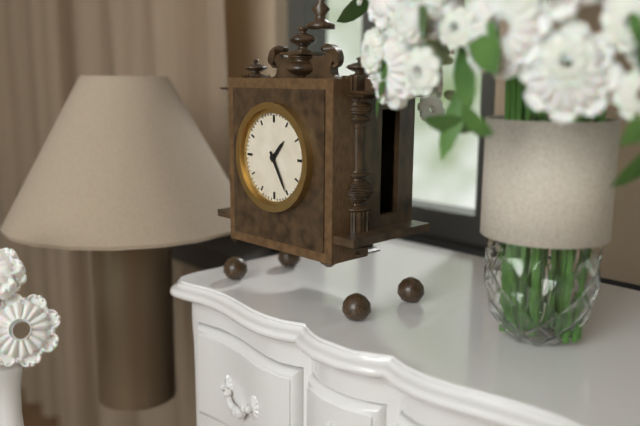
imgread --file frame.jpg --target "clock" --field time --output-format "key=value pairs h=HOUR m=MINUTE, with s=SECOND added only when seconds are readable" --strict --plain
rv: h=1 m=25
